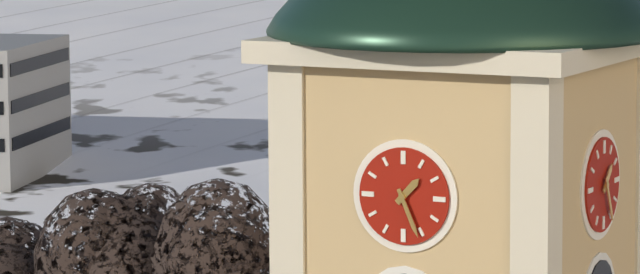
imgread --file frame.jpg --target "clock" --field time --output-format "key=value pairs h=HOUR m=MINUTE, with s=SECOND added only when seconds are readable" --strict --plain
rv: h=1 m=26
